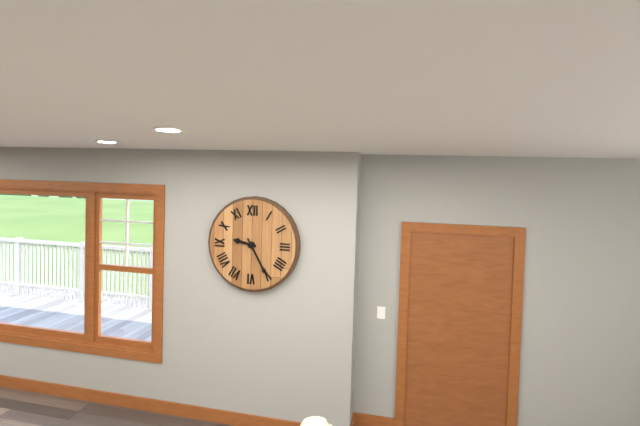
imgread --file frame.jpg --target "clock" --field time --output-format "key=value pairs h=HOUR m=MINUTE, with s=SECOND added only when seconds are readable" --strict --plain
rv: h=9 m=25
